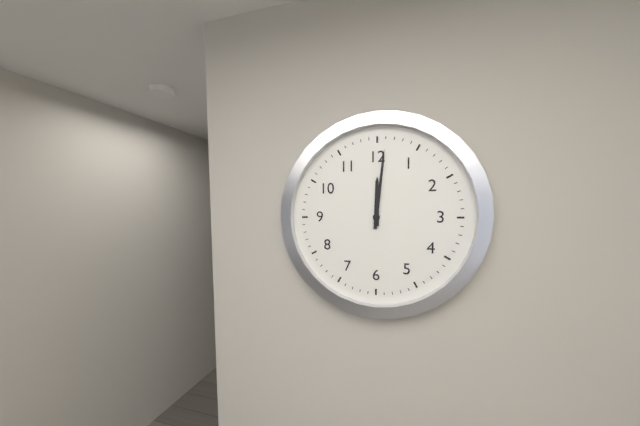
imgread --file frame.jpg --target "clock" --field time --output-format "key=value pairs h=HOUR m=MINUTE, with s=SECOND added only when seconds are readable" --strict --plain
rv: h=12 m=1
